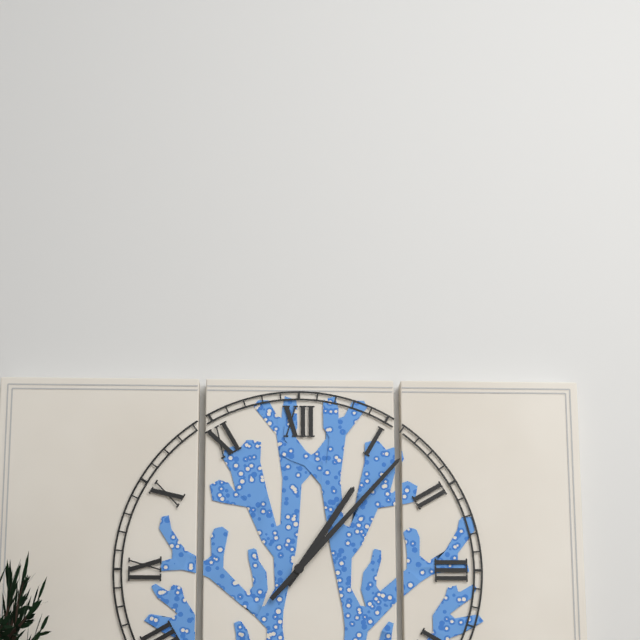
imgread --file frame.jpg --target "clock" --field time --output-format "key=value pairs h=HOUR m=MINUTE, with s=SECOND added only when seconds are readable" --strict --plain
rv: h=1 m=7
